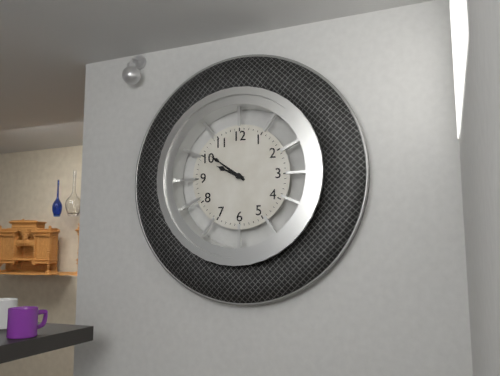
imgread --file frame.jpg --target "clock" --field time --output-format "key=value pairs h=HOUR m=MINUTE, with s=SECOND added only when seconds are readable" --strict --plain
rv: h=9 m=51
